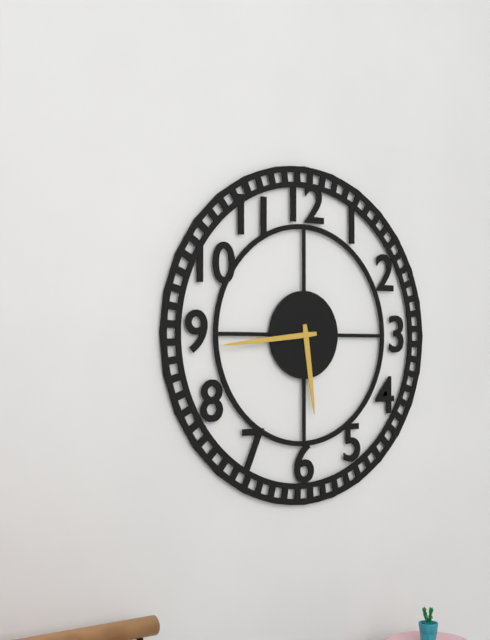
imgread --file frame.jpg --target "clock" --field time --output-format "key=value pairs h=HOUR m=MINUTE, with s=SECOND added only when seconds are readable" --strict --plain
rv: h=5 m=44
